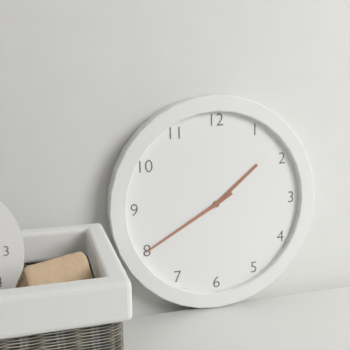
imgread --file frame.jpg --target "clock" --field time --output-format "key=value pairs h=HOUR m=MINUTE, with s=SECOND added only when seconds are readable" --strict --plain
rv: h=1 m=40
